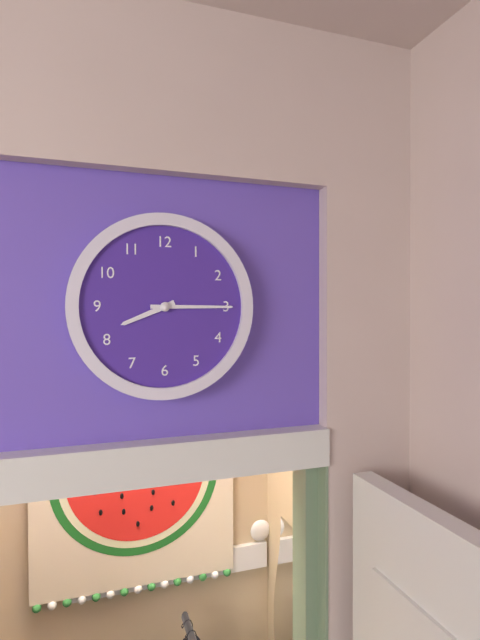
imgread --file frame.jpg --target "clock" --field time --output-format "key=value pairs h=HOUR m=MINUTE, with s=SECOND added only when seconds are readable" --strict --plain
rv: h=8 m=15
